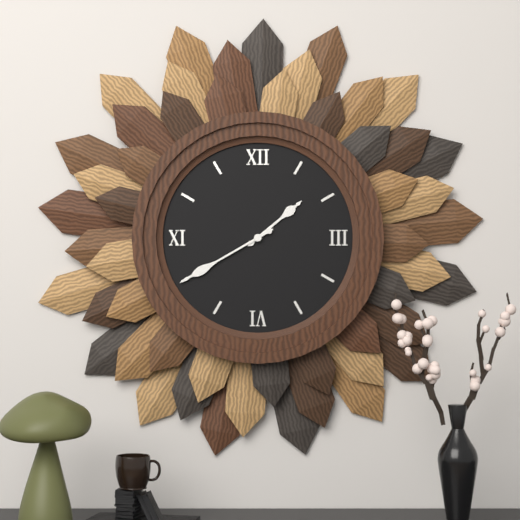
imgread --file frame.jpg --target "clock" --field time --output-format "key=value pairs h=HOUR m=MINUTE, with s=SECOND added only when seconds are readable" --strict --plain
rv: h=1 m=40
